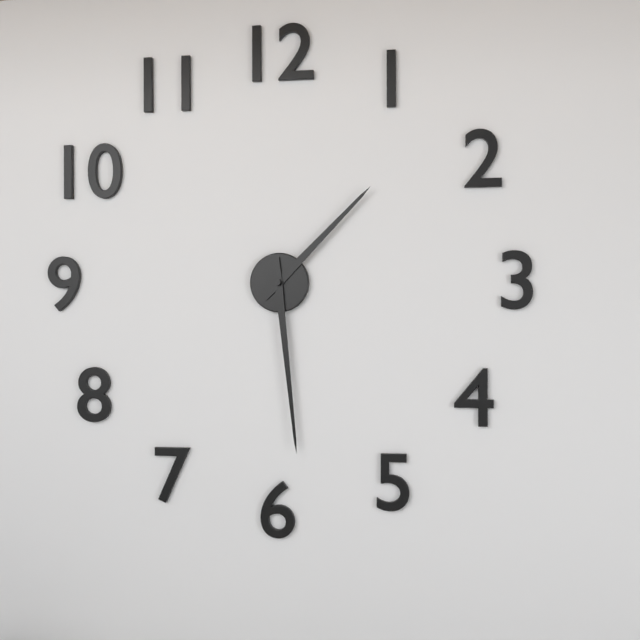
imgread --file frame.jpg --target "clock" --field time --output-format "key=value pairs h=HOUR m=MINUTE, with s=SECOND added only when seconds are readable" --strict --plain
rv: h=1 m=29
